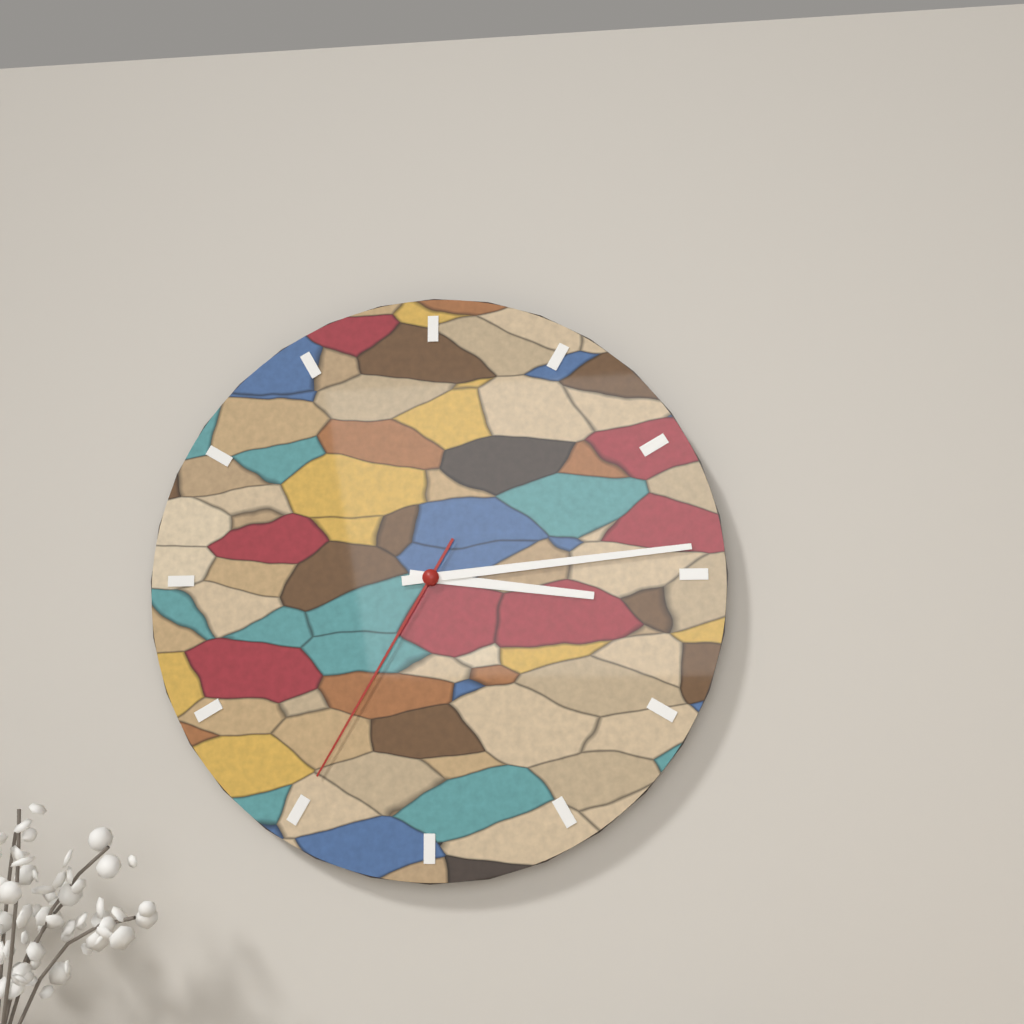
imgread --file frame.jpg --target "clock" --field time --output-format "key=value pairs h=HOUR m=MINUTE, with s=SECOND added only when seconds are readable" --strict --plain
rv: h=3 m=14 s=35
